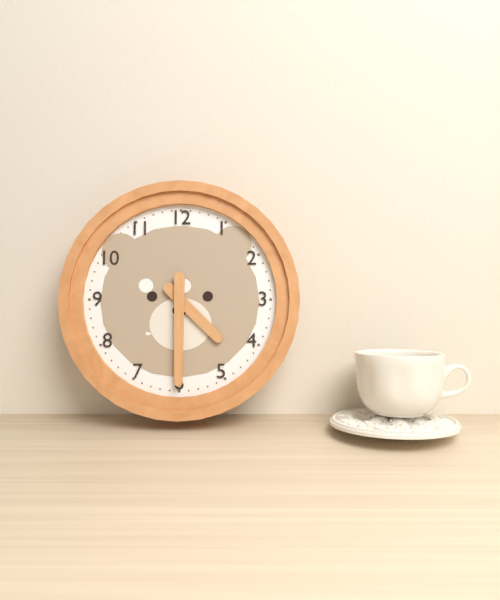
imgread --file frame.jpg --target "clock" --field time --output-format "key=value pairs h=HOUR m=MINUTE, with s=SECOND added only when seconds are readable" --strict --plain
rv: h=4 m=30
